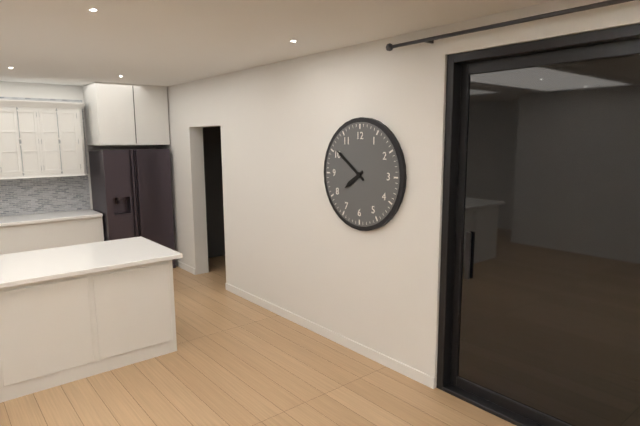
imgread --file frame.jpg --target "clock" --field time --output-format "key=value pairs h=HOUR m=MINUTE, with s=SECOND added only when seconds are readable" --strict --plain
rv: h=7 m=51
